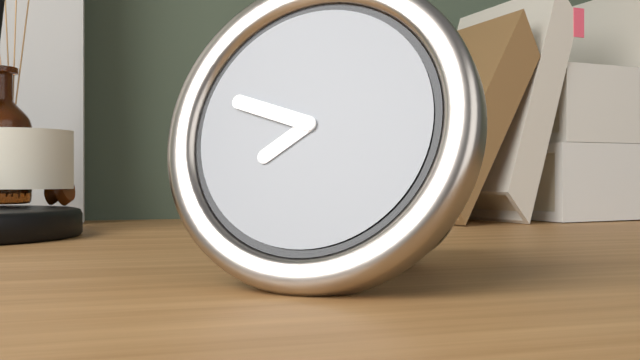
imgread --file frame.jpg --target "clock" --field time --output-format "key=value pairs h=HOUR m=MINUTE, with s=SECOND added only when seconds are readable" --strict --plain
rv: h=7 m=48
